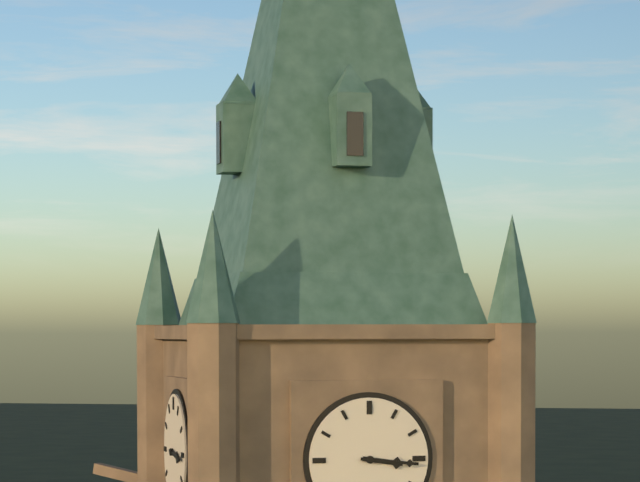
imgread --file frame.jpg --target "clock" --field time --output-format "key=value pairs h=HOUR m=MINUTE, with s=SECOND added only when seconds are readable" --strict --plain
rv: h=3 m=16
